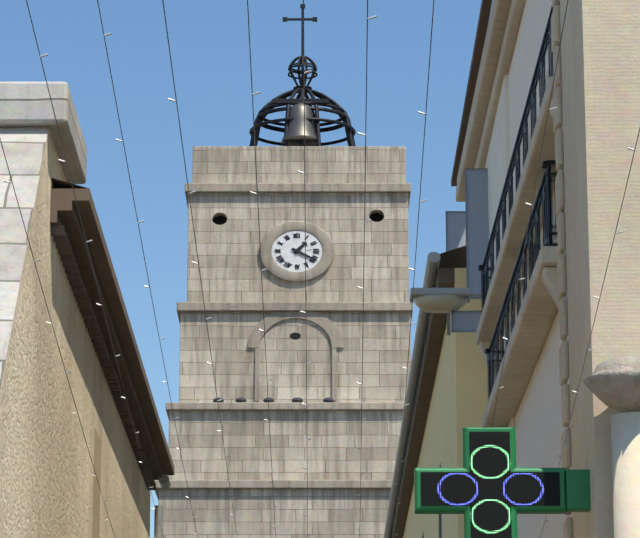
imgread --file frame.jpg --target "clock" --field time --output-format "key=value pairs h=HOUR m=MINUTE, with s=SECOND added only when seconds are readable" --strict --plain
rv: h=1 m=20
